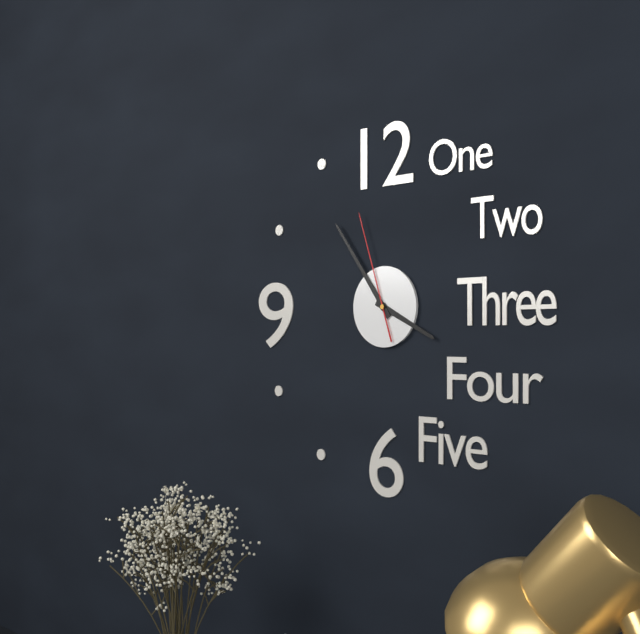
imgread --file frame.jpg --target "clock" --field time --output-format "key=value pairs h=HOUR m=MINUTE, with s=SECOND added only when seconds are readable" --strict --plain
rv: h=3 m=54 s=57
